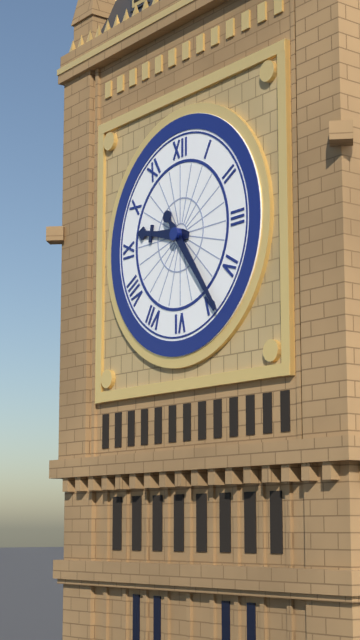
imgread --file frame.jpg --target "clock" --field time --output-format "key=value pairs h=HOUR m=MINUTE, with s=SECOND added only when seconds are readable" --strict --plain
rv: h=9 m=24
